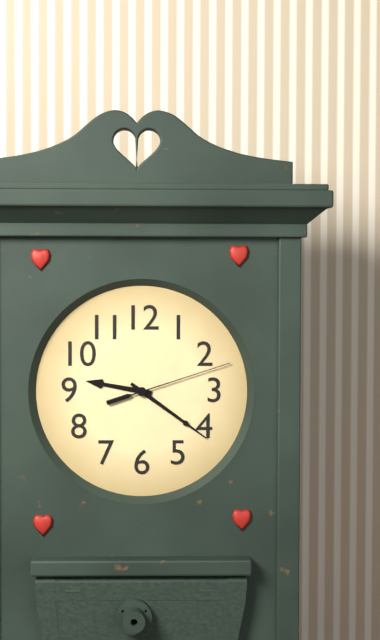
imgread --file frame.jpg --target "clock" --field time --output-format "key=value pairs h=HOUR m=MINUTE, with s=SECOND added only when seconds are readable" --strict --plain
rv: h=9 m=21 s=12
